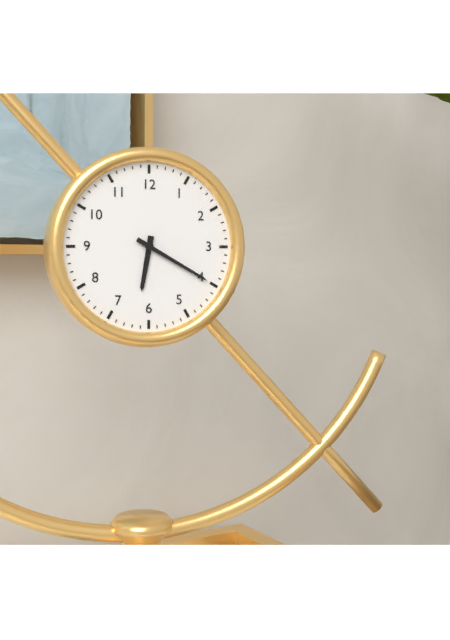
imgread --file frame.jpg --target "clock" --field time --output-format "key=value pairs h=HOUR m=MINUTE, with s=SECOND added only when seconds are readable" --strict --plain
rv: h=6 m=20
